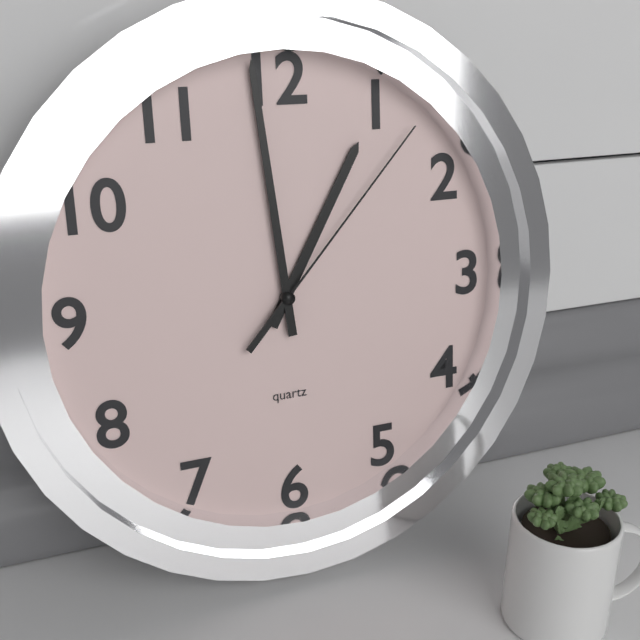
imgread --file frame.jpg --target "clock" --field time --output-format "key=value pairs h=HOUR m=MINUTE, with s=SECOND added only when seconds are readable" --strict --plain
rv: h=12 m=59 s=7
